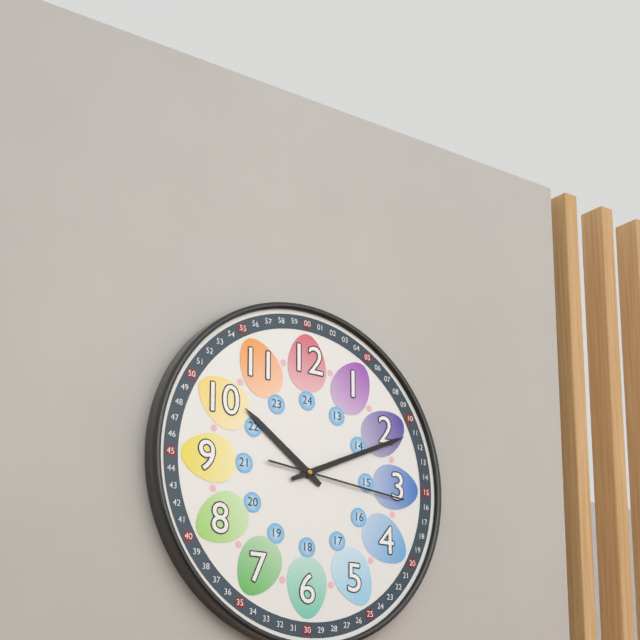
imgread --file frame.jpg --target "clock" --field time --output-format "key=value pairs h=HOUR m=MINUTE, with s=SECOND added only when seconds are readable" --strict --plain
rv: h=10 m=11 s=16
